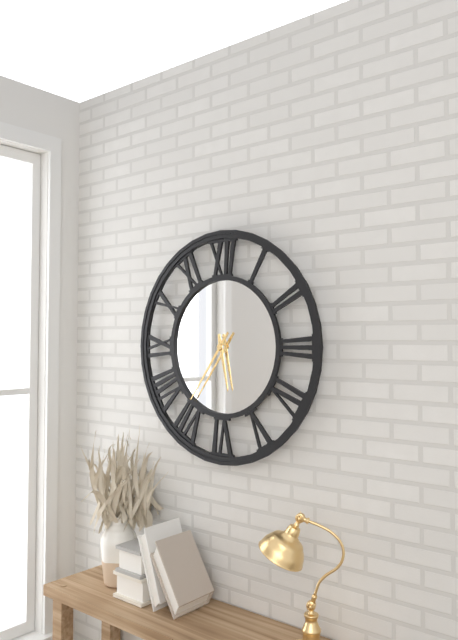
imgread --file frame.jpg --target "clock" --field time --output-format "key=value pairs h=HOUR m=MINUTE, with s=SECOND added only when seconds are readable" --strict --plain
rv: h=5 m=36
